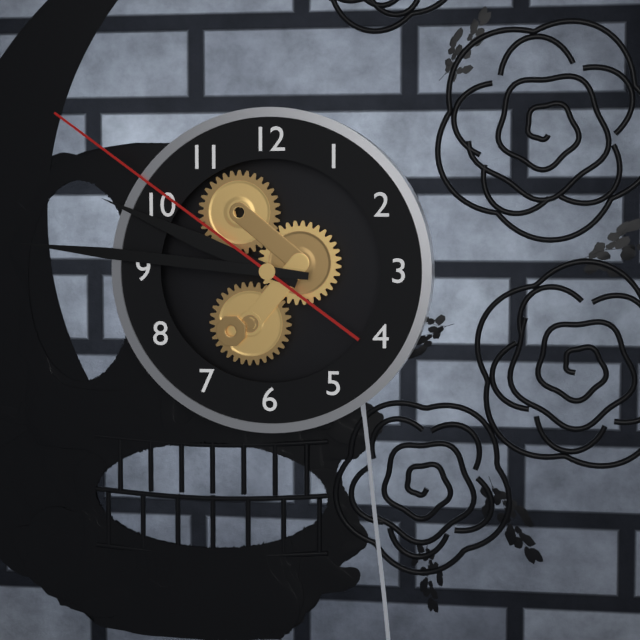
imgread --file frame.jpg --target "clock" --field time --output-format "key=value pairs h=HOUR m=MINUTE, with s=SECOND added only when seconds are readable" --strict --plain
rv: h=9 m=46 s=51
